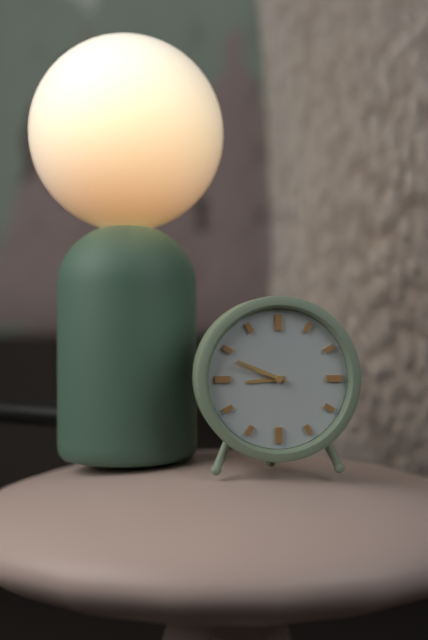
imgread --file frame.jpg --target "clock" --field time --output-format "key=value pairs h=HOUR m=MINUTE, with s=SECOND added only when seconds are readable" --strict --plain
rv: h=8 m=49 s=48
